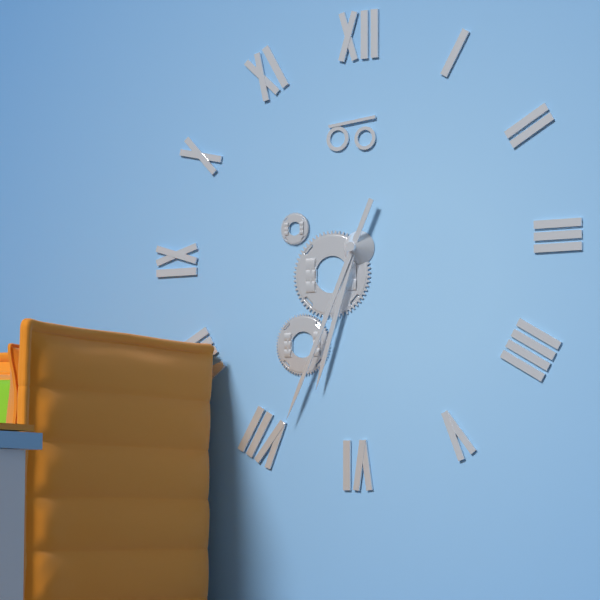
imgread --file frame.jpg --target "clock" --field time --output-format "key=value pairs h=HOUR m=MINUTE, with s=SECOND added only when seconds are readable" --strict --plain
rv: h=6 m=34
